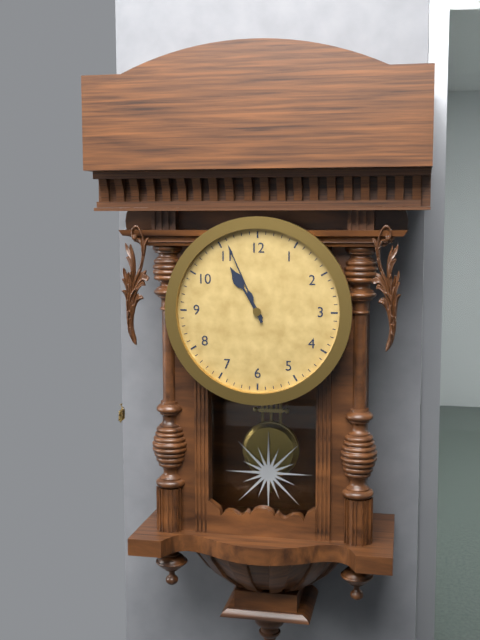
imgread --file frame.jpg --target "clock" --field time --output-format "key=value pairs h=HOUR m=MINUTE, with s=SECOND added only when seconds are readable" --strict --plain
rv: h=10 m=56
